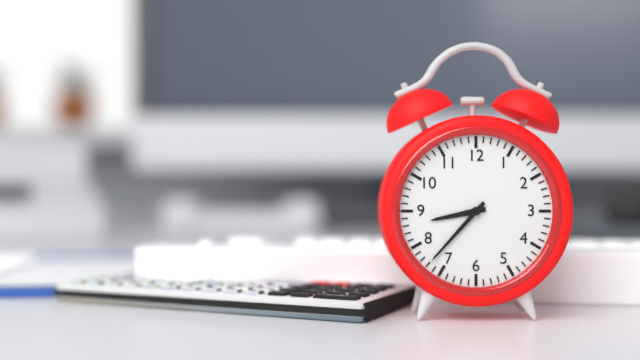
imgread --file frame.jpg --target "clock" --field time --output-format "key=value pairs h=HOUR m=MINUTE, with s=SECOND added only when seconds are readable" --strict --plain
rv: h=8 m=37
